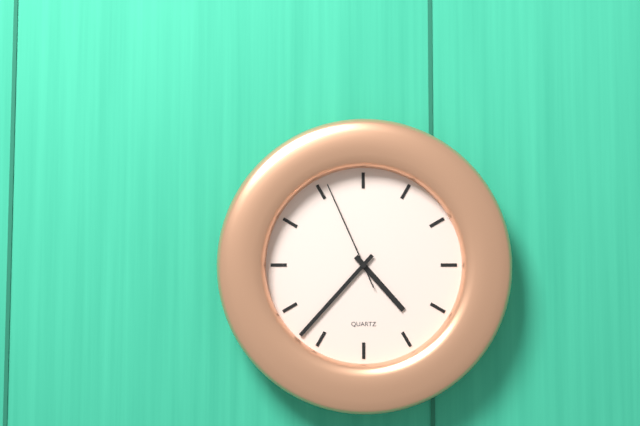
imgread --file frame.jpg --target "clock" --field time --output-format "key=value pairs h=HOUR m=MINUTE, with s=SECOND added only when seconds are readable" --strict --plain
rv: h=4 m=37 s=56
